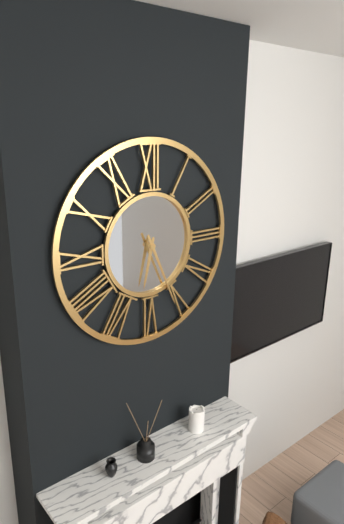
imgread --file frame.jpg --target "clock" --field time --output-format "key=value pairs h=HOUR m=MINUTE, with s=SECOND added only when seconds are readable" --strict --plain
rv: h=6 m=26
